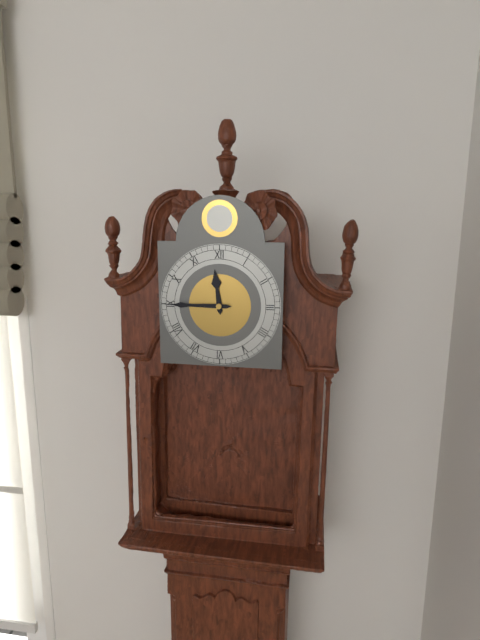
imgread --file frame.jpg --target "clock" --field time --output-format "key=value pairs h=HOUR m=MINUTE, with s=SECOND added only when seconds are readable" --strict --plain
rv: h=11 m=45
